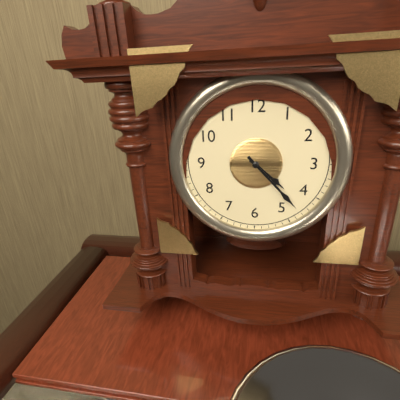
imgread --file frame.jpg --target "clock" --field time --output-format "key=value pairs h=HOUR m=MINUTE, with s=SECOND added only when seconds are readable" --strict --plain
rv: h=4 m=23
